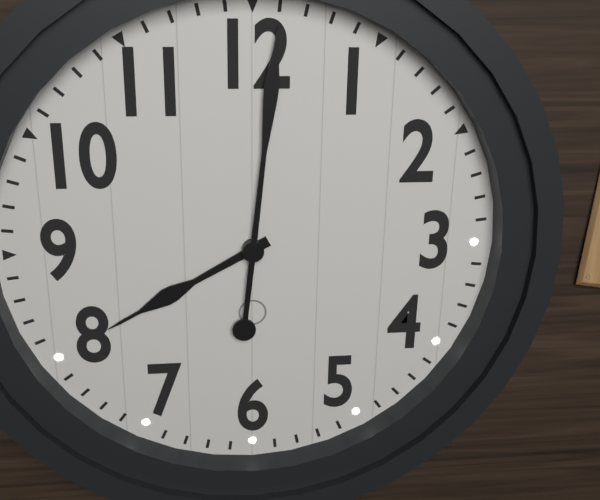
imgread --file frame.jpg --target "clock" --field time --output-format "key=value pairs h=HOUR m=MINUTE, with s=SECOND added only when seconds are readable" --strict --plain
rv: h=8 m=1
